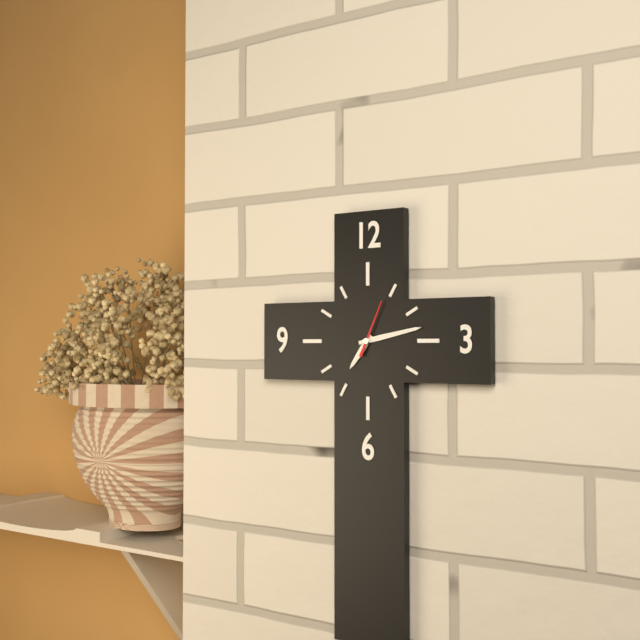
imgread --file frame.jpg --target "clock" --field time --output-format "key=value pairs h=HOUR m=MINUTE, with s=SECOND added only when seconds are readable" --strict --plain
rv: h=7 m=13 s=4
